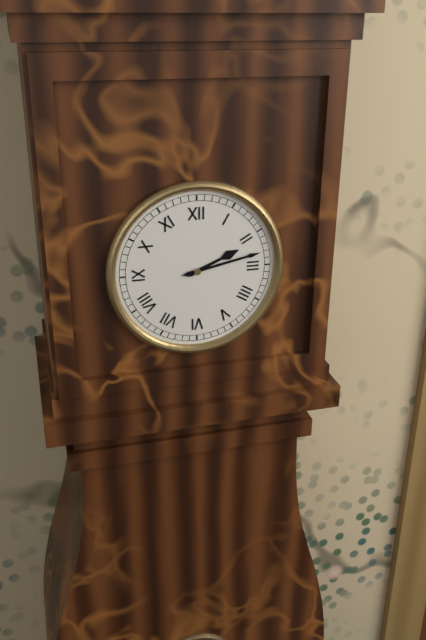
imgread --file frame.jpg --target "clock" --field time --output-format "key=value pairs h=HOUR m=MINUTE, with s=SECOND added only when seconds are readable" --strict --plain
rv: h=2 m=13
